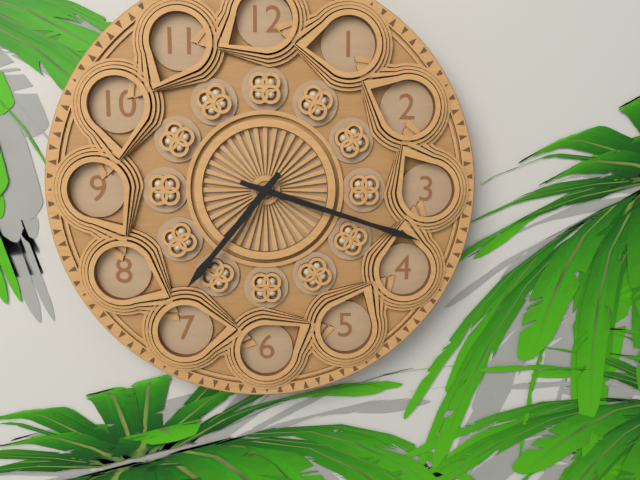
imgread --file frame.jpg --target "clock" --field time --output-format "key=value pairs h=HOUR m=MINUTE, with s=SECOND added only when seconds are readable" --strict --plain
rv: h=7 m=18
